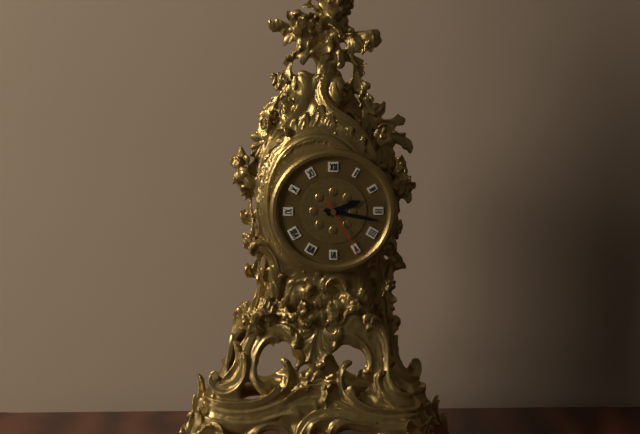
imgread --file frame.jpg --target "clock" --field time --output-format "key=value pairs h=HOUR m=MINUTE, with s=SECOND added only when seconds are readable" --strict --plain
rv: h=2 m=17 s=25
